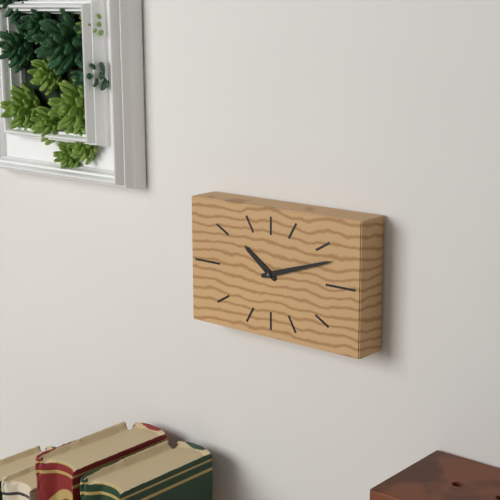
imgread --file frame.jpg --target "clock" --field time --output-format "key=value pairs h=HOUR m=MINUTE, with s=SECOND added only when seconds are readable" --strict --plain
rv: h=10 m=12
